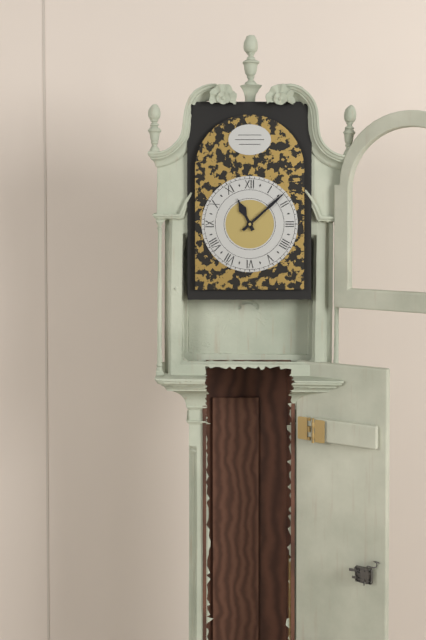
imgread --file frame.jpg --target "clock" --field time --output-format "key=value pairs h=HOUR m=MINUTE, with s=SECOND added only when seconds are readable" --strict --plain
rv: h=11 m=8
